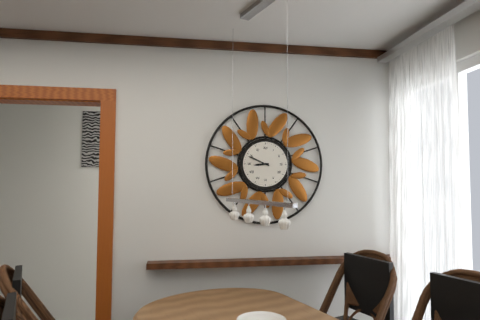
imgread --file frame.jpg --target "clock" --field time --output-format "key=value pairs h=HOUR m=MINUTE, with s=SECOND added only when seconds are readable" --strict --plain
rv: h=8 m=49
